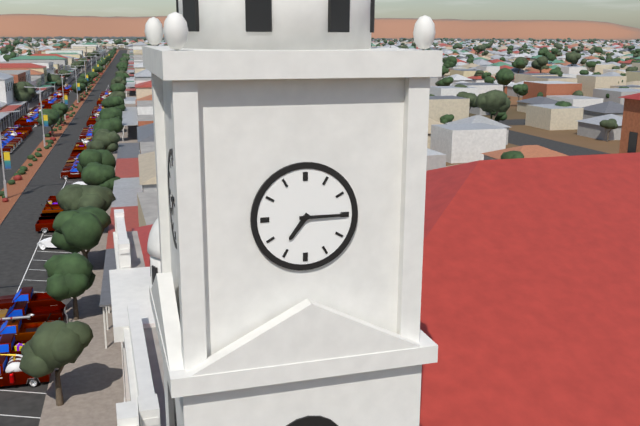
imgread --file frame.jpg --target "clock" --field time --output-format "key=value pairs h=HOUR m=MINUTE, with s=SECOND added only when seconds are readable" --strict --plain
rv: h=7 m=15
